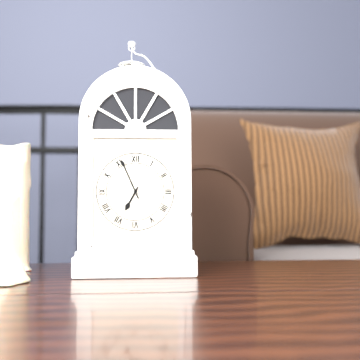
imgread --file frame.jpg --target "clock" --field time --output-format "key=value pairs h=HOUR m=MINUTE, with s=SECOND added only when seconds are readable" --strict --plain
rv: h=6 m=56
